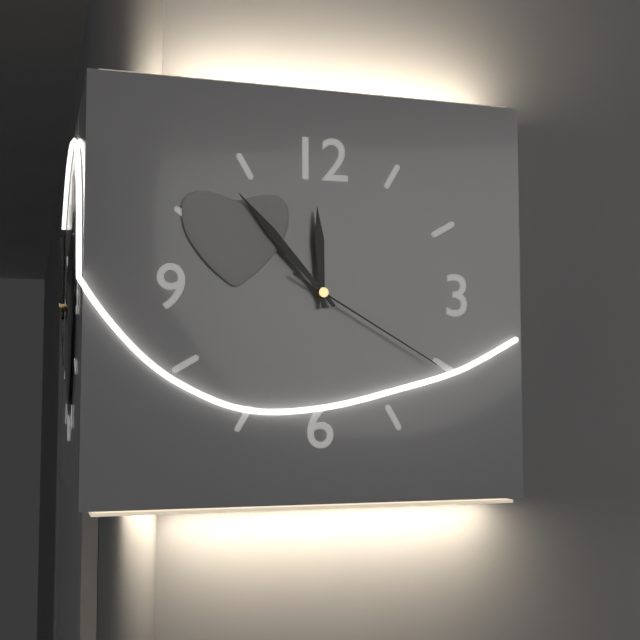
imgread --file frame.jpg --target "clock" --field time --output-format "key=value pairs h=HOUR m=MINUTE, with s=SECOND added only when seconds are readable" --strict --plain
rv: h=11 m=53 s=20
